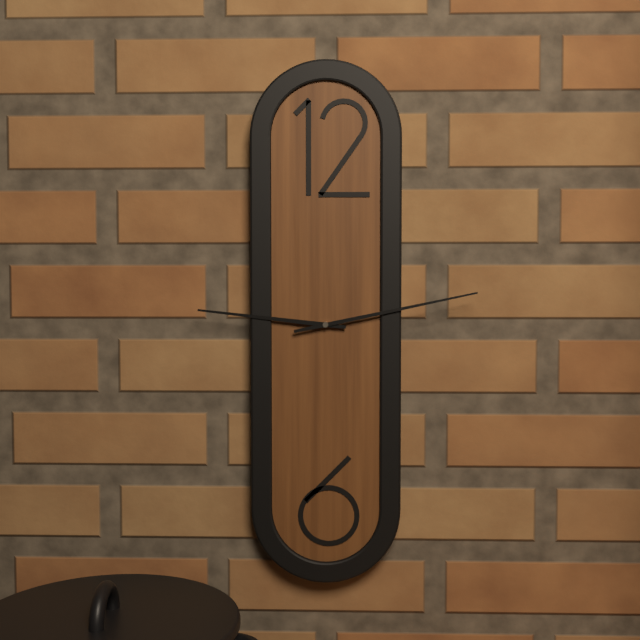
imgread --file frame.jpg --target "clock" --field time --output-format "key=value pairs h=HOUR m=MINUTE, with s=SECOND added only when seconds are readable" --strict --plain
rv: h=9 m=13
